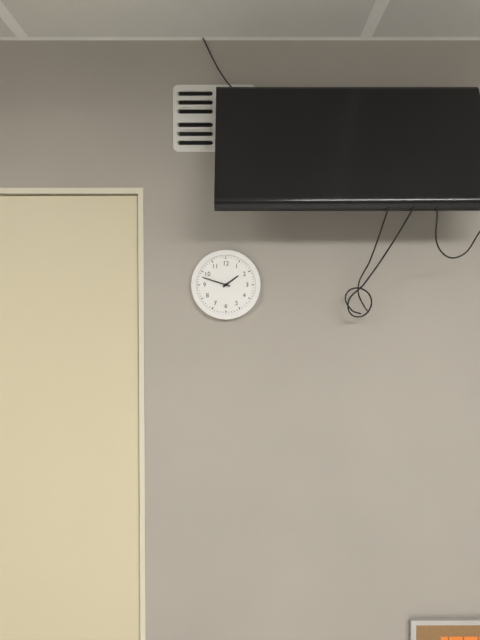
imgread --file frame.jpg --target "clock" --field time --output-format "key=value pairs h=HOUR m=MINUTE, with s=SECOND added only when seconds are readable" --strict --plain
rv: h=1 m=48
